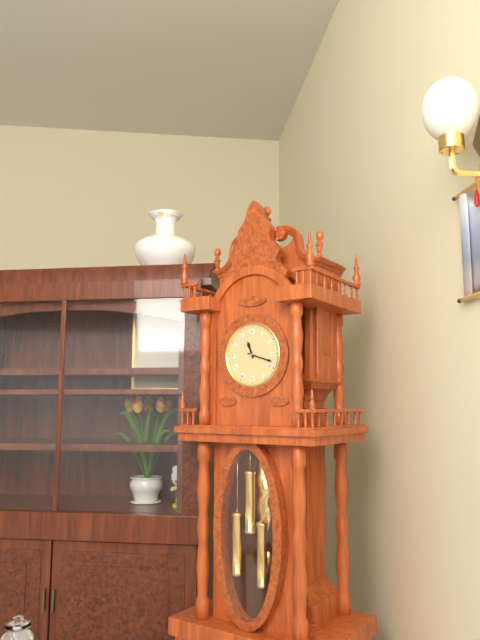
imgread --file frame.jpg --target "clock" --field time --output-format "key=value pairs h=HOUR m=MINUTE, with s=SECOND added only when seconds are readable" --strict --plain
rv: h=11 m=18
